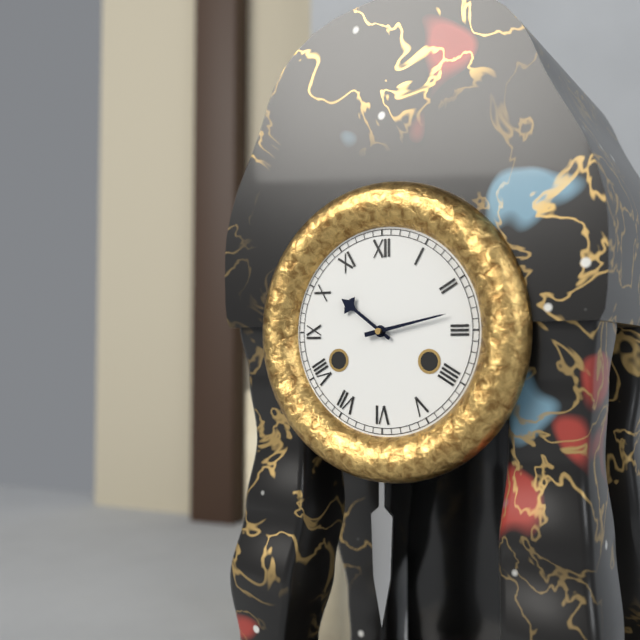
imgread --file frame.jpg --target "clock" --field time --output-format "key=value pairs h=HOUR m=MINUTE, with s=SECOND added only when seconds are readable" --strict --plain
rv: h=10 m=13
